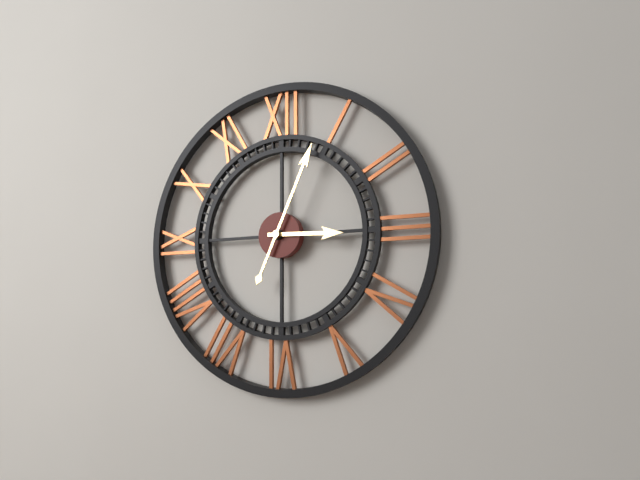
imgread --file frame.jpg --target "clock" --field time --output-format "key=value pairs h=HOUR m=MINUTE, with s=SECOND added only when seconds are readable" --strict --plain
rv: h=3 m=4
